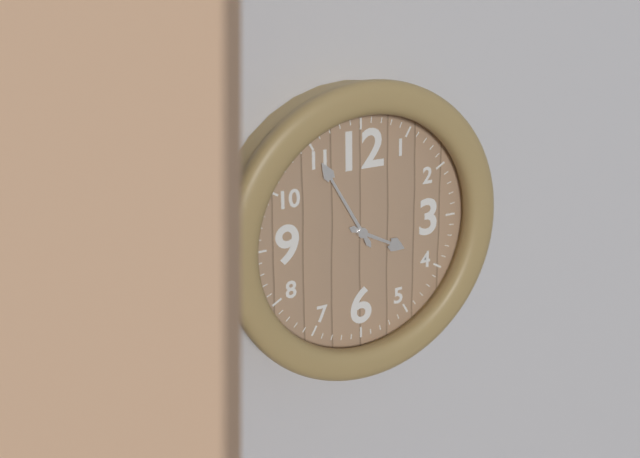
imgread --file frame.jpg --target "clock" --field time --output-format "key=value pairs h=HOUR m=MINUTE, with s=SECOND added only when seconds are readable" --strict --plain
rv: h=3 m=55
